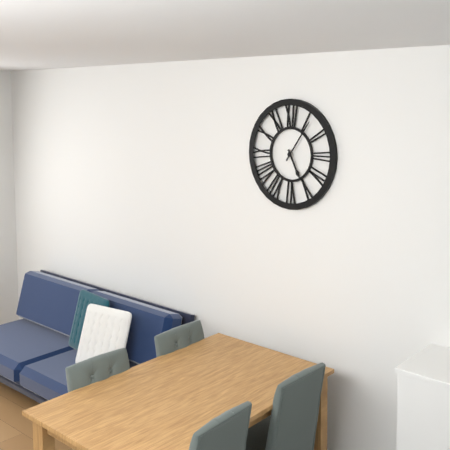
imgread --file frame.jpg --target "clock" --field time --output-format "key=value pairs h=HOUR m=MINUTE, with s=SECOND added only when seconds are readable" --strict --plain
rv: h=5 m=6
